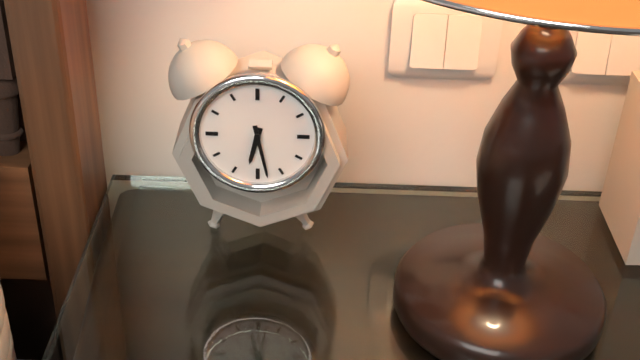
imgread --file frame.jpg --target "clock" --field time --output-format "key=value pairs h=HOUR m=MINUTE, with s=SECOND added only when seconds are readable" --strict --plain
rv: h=6 m=28
